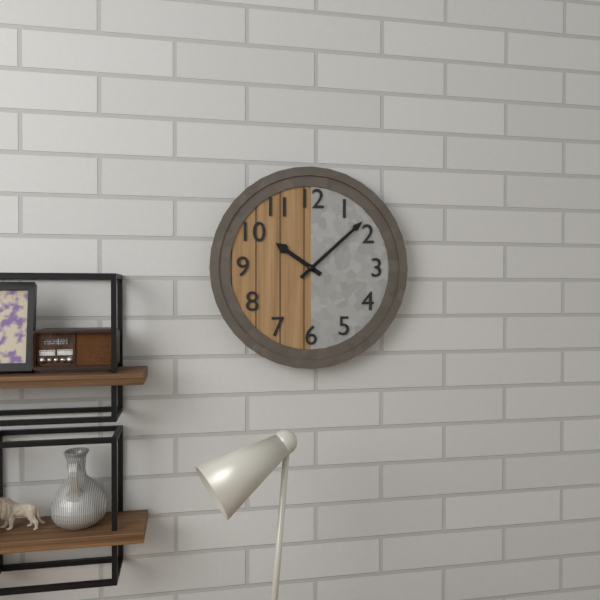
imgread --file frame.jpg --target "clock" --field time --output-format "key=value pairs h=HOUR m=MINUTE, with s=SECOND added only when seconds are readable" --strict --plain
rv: h=10 m=8
